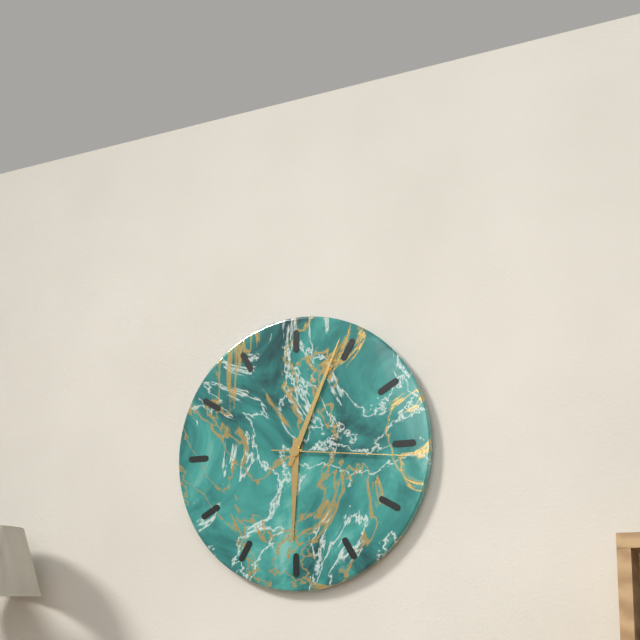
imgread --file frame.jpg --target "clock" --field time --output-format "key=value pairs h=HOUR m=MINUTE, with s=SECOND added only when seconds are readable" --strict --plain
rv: h=6 m=4 s=16
